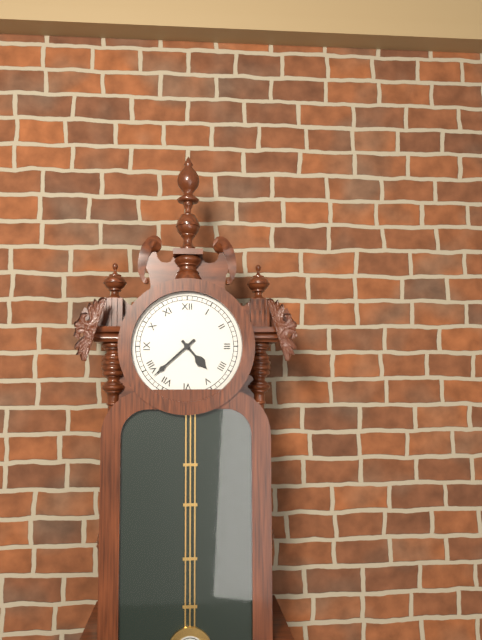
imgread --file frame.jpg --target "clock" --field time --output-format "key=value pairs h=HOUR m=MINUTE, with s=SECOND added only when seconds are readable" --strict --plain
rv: h=4 m=38
